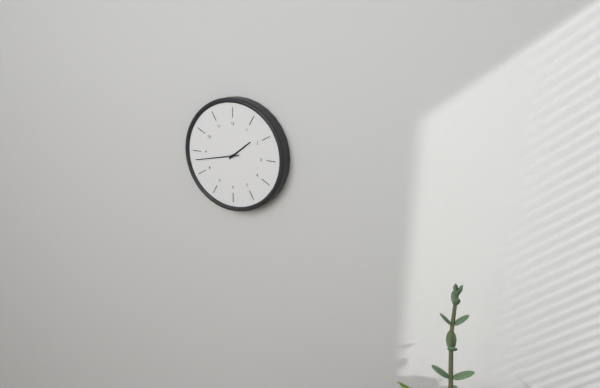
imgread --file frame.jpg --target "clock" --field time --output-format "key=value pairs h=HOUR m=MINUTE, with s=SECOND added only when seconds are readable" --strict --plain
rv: h=1 m=43
